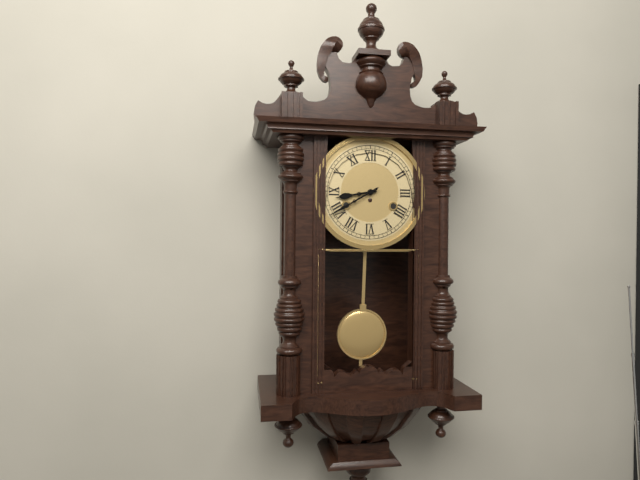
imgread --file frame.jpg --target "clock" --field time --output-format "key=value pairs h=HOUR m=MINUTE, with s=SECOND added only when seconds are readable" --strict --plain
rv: h=8 m=40
